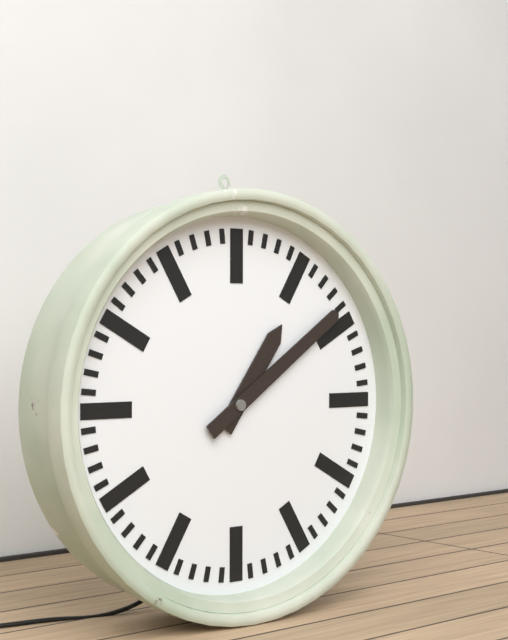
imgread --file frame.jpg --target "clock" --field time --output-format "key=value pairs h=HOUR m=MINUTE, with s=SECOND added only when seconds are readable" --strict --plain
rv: h=1 m=9
